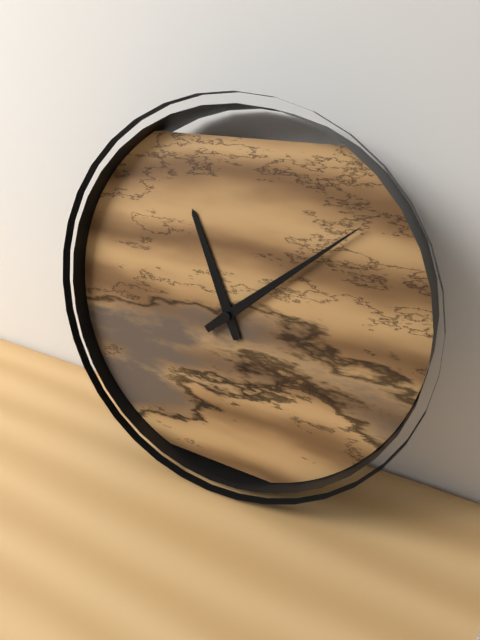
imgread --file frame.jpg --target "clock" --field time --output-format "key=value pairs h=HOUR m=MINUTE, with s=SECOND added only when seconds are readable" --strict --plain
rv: h=11 m=8
